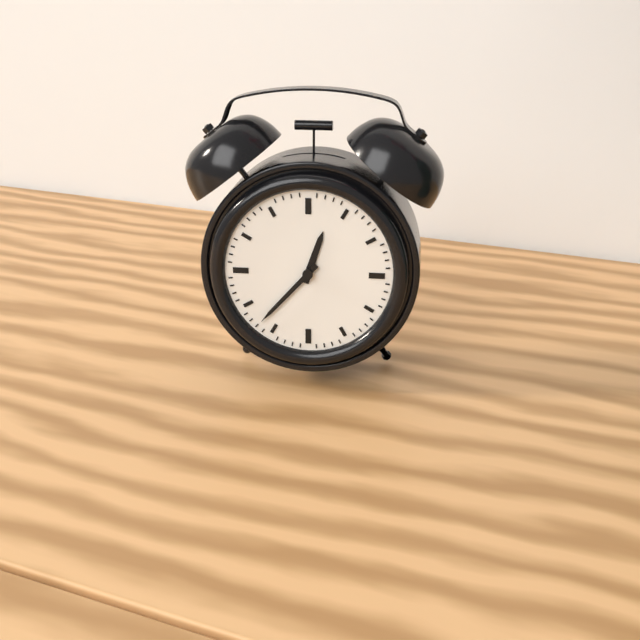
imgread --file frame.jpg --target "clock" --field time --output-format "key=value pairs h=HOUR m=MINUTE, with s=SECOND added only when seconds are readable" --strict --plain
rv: h=12 m=37
